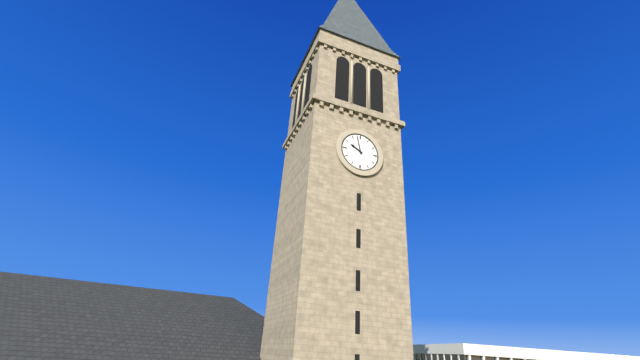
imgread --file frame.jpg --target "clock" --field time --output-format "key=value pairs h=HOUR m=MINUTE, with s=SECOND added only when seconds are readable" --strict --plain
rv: h=9 m=58
